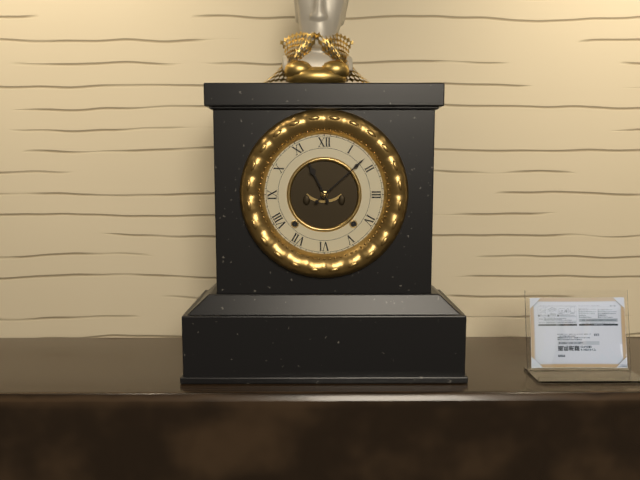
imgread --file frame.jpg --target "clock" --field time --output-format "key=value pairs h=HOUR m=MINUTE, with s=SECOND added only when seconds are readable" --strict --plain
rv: h=11 m=8
